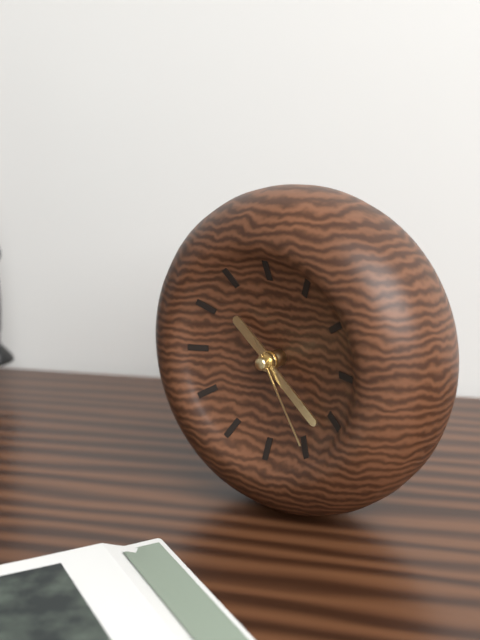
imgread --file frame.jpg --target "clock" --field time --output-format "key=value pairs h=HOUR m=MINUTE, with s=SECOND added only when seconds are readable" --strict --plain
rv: h=10 m=22 s=25
